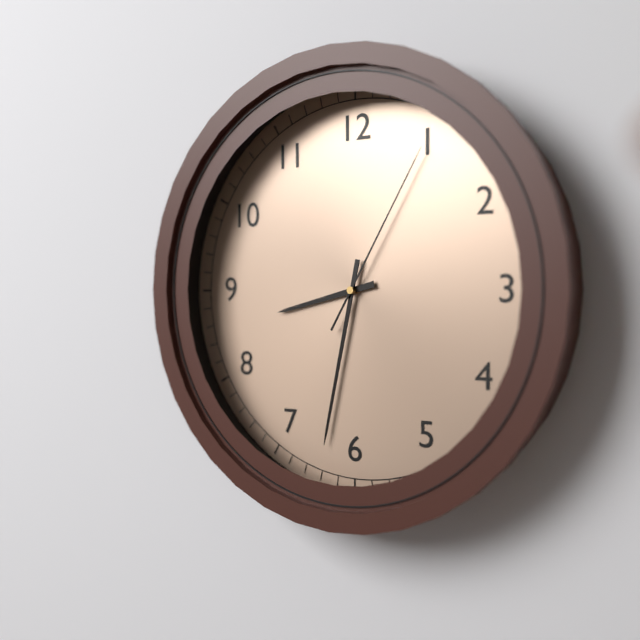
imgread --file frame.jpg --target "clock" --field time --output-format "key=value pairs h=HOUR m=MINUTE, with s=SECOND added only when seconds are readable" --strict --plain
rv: h=8 m=32 s=5
